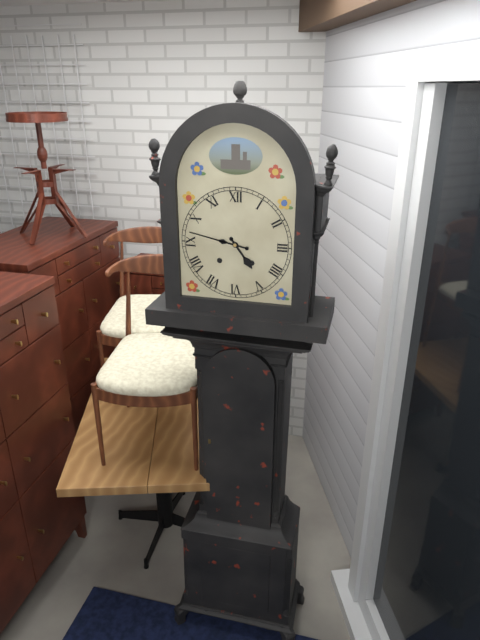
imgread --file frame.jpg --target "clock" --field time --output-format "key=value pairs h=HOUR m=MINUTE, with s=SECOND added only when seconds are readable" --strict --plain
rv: h=4 m=47
